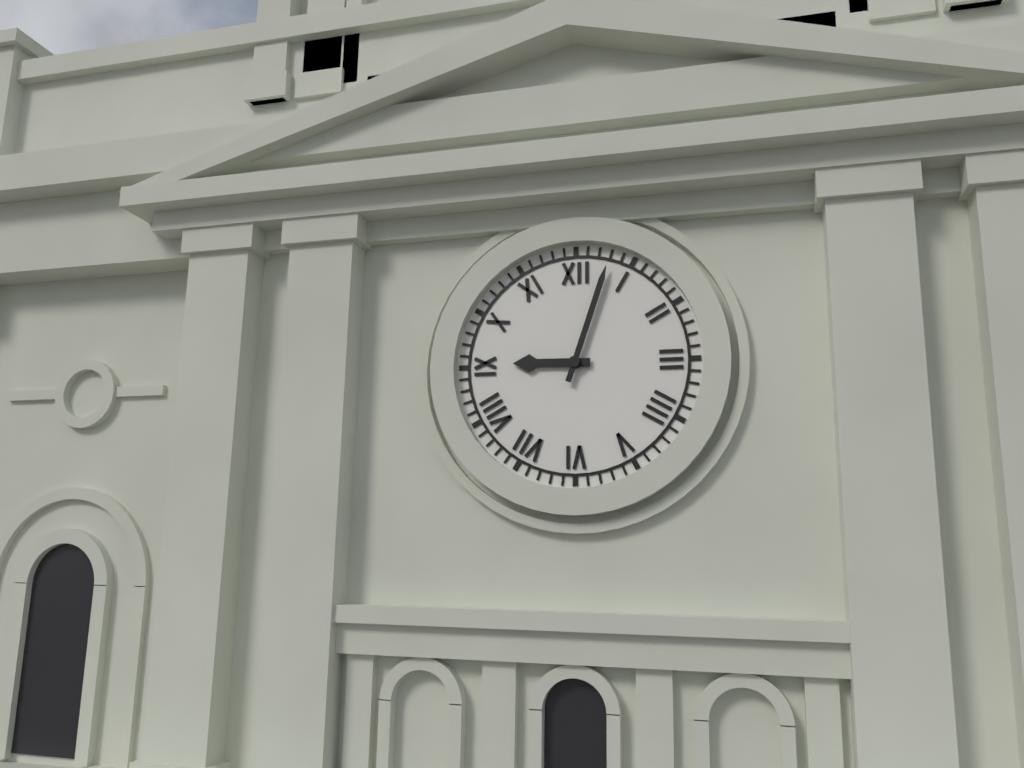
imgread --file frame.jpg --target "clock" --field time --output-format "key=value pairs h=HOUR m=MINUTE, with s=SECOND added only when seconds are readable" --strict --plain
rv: h=9 m=3
